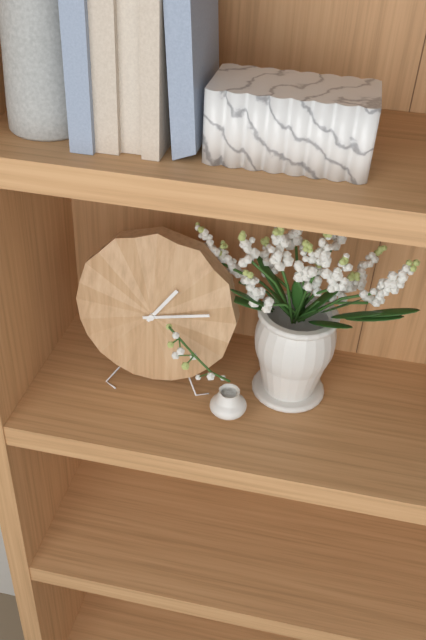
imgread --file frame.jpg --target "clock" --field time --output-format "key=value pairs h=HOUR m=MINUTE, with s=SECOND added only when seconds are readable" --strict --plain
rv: h=1 m=13
